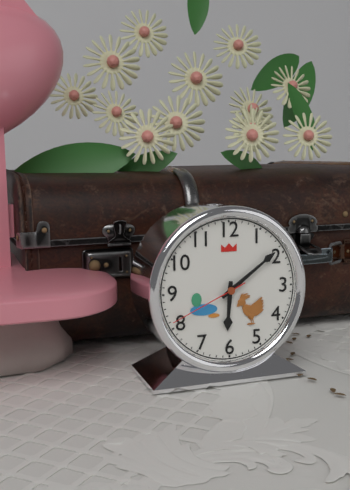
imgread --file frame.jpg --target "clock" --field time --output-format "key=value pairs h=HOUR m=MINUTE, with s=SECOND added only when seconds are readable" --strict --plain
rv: h=6 m=9 s=41
